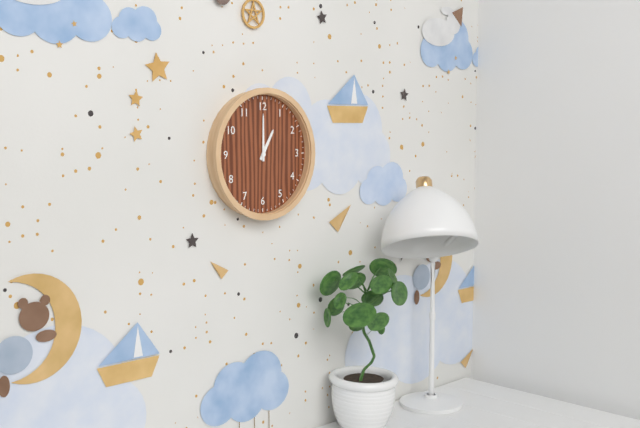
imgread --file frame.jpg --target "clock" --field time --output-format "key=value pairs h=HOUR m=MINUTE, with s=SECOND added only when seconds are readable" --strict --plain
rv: h=1 m=0
